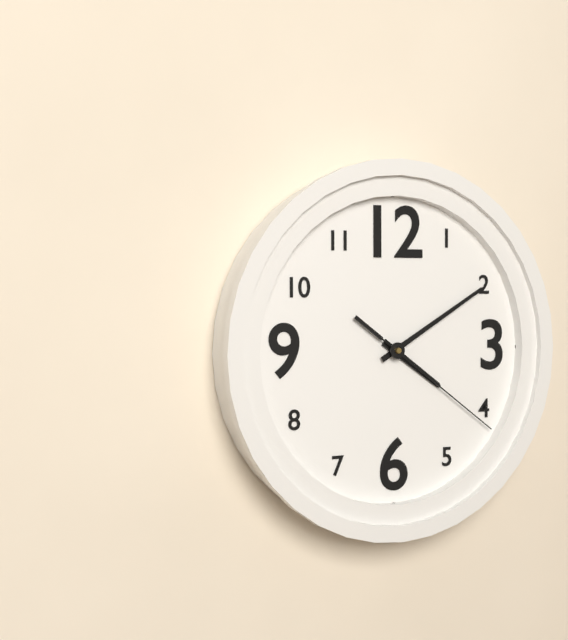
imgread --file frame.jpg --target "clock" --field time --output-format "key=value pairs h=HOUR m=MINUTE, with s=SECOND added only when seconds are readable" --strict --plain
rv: h=4 m=10 s=21
